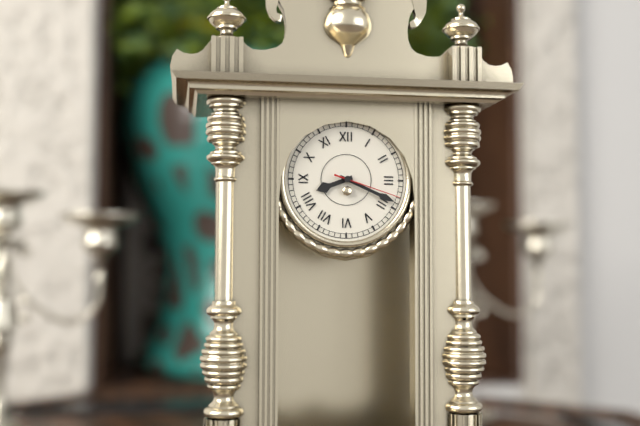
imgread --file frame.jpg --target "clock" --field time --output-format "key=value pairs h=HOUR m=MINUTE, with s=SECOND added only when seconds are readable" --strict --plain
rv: h=8 m=19 s=18
